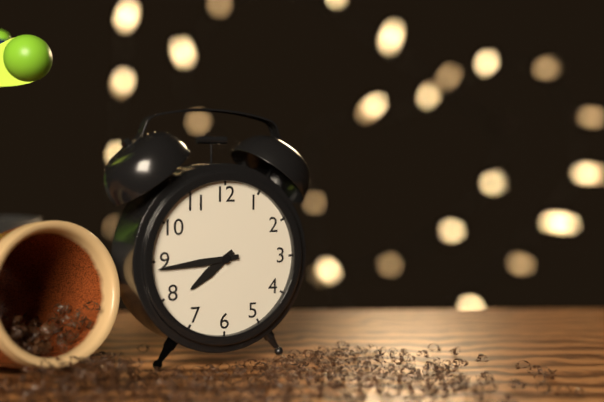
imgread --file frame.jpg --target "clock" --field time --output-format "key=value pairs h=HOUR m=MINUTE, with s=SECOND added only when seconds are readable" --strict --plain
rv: h=7 m=44
